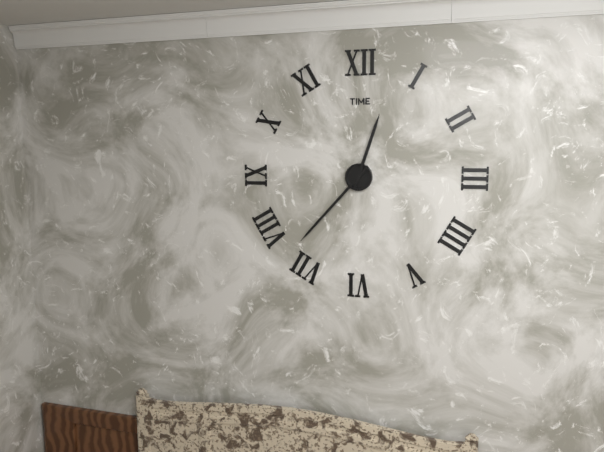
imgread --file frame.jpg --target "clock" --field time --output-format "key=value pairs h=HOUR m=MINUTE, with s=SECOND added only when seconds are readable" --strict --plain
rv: h=12 m=37
